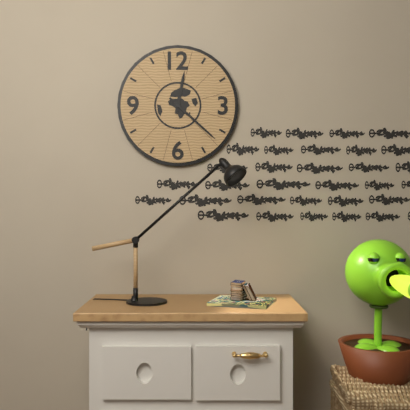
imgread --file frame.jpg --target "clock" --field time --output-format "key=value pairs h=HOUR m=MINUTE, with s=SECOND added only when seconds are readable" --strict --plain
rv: h=12 m=22
